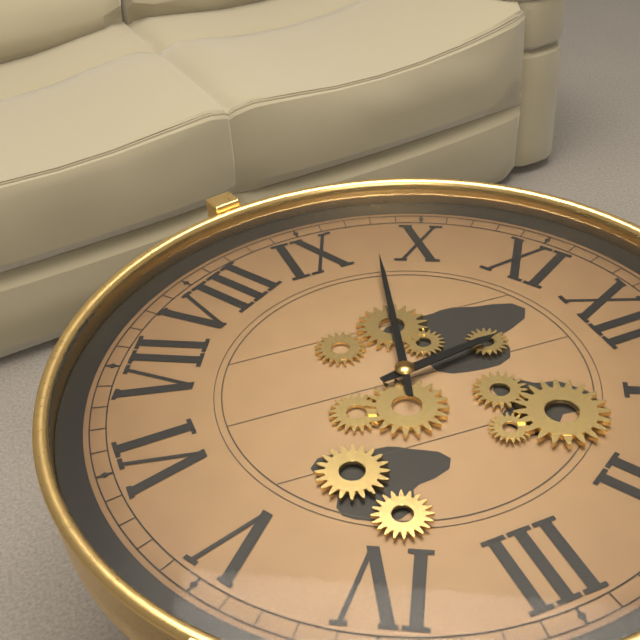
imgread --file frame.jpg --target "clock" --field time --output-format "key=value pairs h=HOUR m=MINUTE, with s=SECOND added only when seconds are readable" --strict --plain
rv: h=11 m=48
